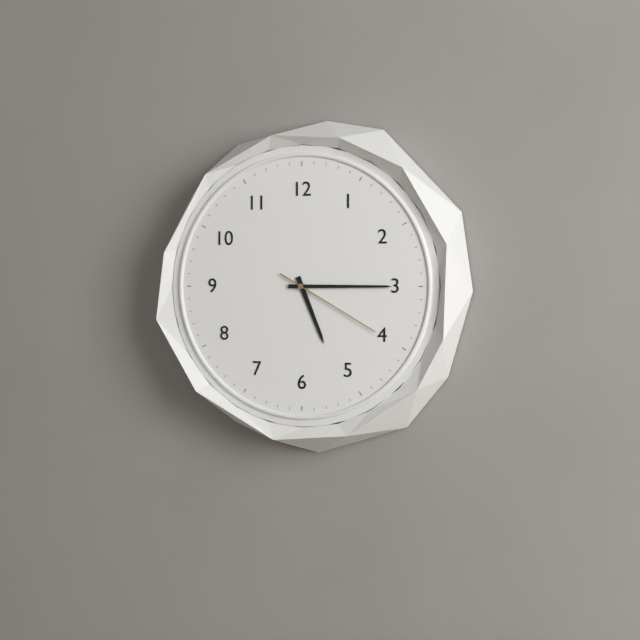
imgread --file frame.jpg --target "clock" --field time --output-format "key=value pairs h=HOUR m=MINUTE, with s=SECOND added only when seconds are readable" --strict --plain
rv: h=5 m=15 s=20
